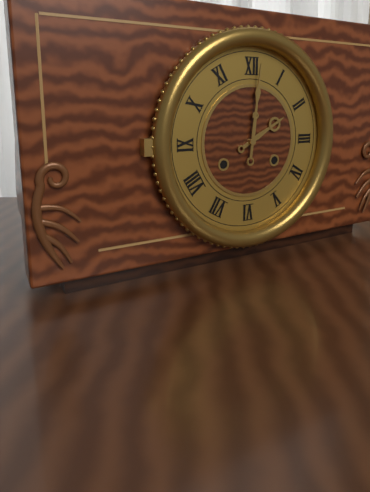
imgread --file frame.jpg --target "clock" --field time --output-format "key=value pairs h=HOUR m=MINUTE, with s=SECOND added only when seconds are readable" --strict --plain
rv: h=2 m=1
